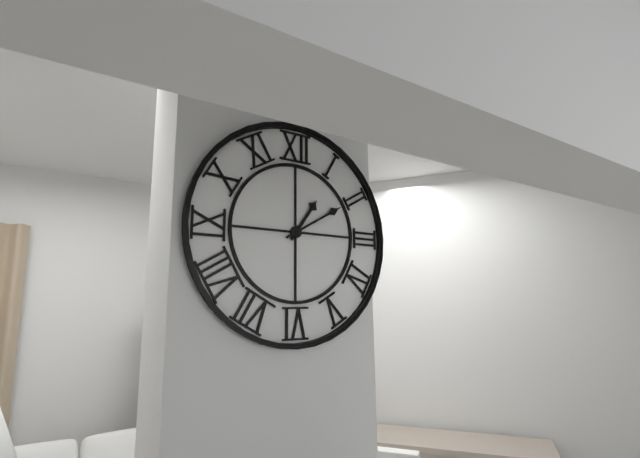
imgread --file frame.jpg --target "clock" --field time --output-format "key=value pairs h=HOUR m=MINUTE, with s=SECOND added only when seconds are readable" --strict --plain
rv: h=1 m=10
